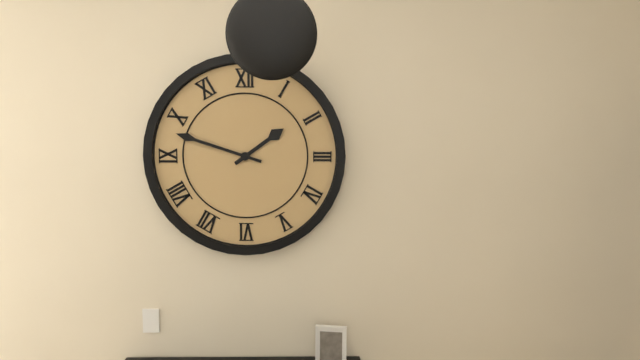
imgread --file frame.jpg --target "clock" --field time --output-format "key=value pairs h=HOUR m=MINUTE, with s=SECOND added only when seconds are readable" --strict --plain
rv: h=1 m=48
